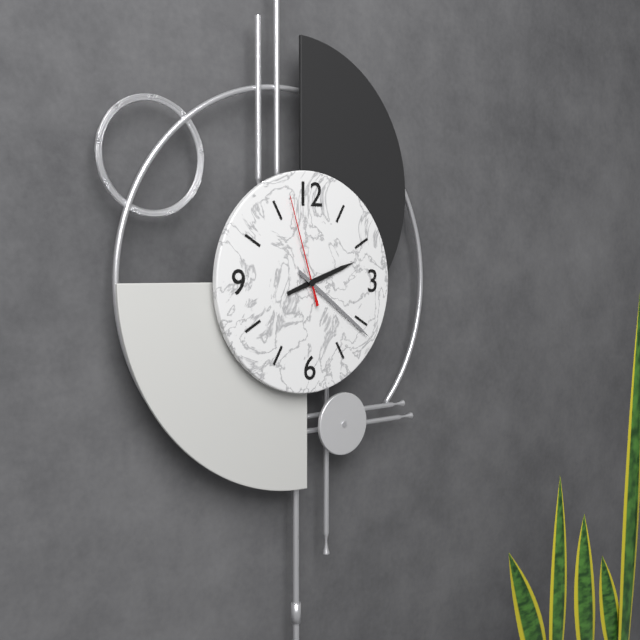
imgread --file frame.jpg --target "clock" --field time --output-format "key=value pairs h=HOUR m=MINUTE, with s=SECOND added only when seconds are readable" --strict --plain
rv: h=2 m=21 s=57
